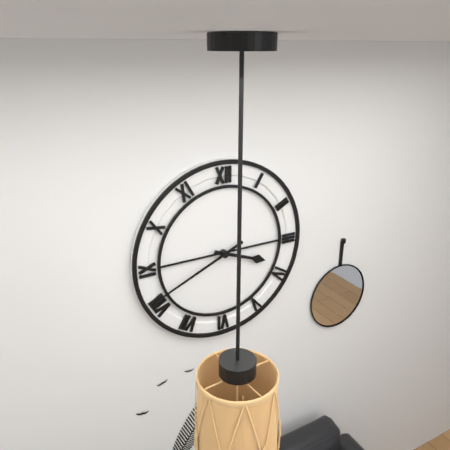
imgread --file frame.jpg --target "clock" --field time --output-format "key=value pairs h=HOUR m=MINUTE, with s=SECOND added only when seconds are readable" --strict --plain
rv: h=3 m=41
